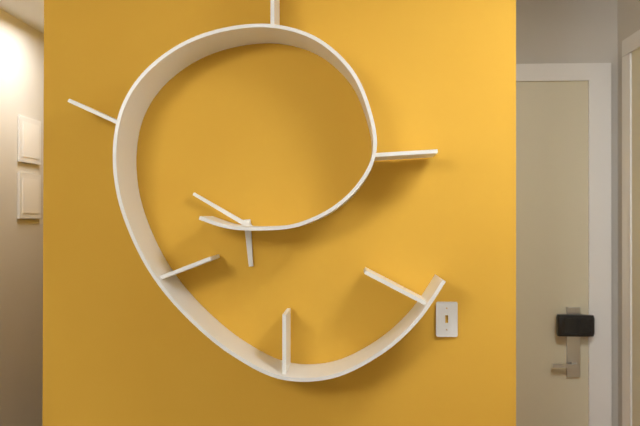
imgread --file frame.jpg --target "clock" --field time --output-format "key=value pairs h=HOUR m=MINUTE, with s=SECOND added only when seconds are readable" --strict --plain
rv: h=5 m=50
